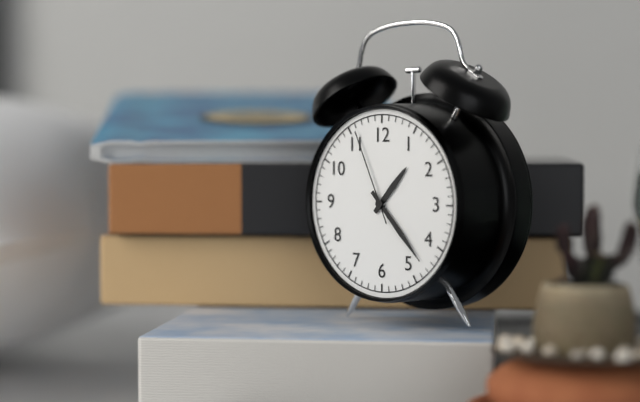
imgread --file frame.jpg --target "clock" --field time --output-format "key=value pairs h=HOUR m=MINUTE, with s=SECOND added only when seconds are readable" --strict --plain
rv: h=1 m=23 s=56
